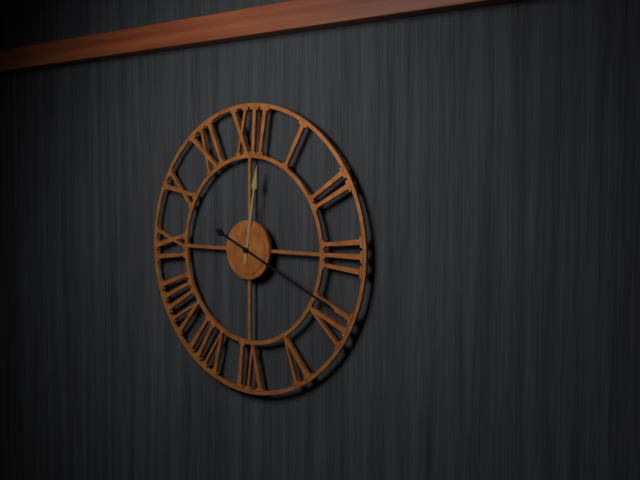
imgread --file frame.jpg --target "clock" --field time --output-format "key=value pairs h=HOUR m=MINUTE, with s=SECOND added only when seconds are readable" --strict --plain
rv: h=12 m=19
